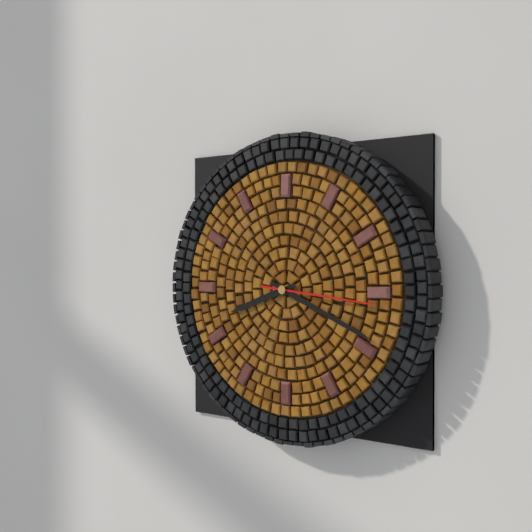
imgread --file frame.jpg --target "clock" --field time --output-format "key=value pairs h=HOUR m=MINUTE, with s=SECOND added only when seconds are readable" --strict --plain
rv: h=8 m=19 s=16
